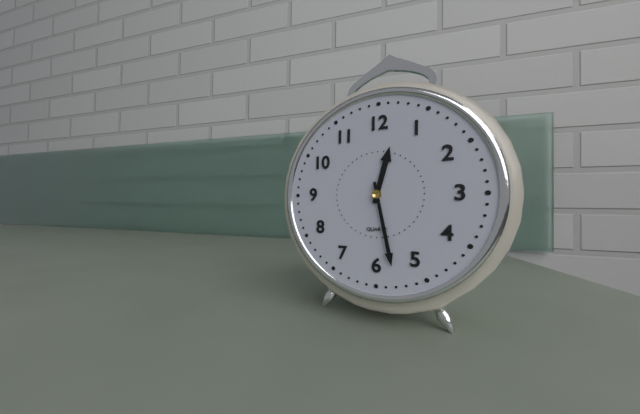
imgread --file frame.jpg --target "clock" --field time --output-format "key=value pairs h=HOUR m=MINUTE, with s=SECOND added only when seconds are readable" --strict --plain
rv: h=12 m=28
